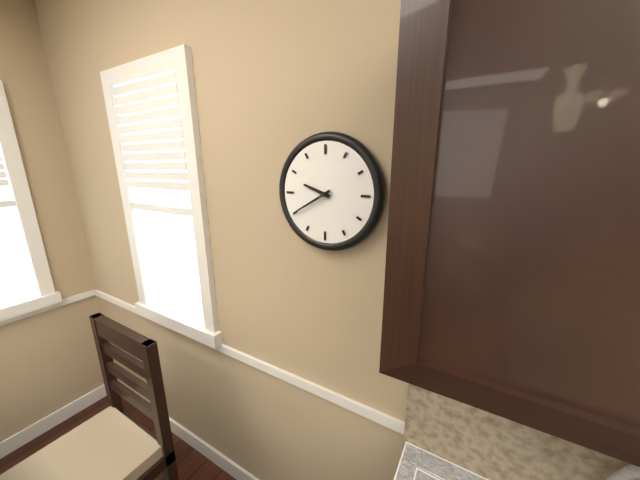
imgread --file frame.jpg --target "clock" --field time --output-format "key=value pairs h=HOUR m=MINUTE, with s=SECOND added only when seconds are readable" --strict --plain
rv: h=9 m=40
